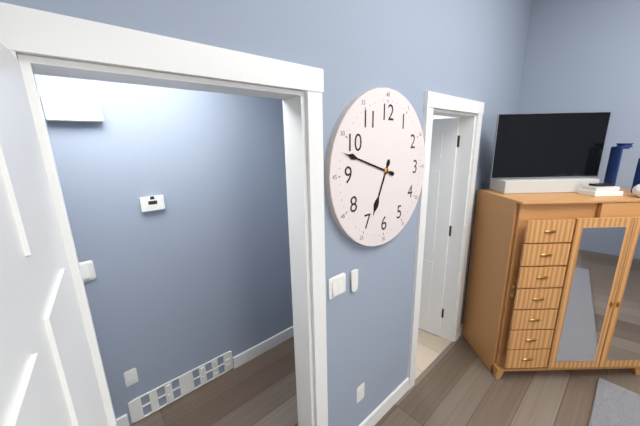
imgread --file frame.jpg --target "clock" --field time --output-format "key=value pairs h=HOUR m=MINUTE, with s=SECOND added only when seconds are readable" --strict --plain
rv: h=6 m=48
